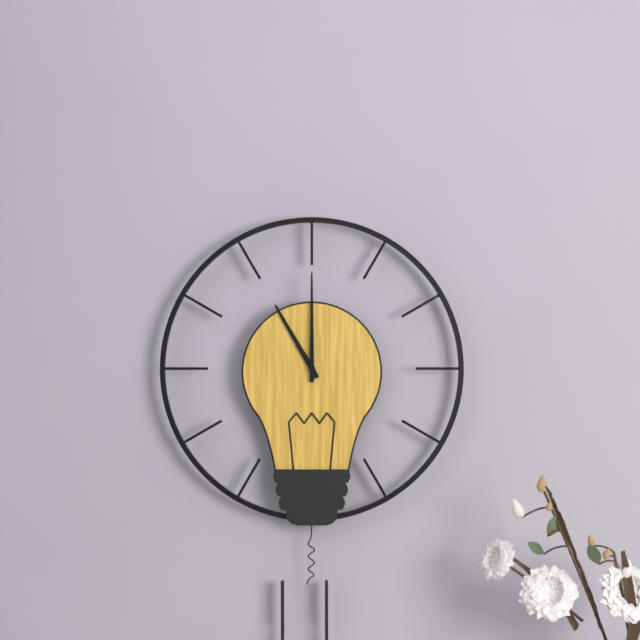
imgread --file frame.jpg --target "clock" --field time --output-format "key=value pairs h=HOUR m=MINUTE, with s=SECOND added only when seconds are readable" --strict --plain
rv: h=11 m=0
